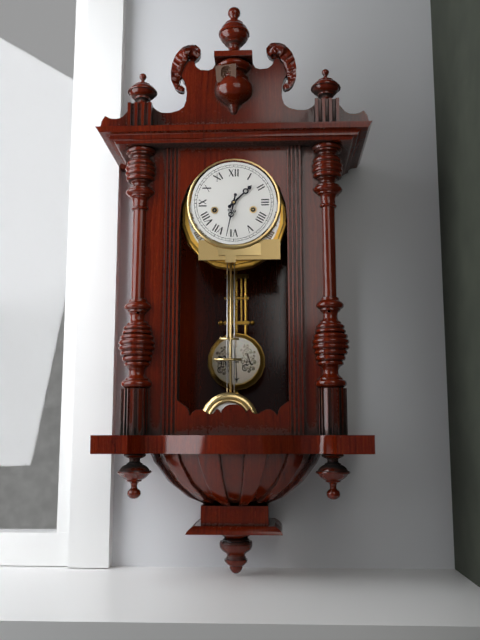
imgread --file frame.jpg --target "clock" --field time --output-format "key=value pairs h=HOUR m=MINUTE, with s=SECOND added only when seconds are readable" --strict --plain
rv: h=1 m=32
